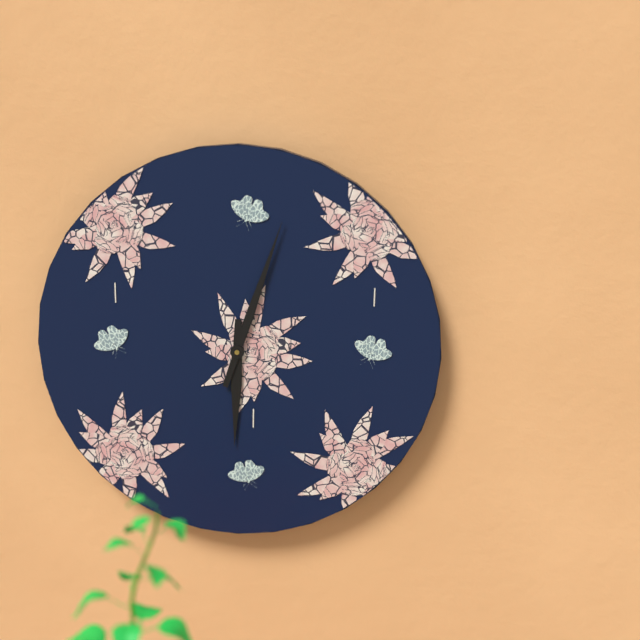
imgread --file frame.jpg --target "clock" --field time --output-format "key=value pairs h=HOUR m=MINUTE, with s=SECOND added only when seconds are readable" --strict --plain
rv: h=6 m=3
